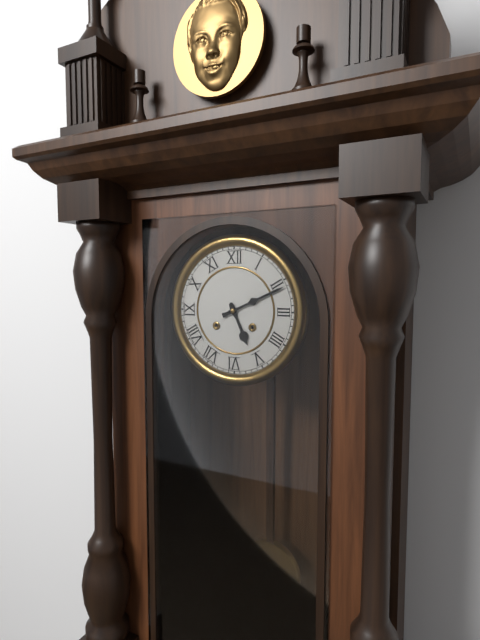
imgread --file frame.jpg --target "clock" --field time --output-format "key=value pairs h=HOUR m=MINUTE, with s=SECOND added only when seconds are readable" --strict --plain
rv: h=5 m=11
